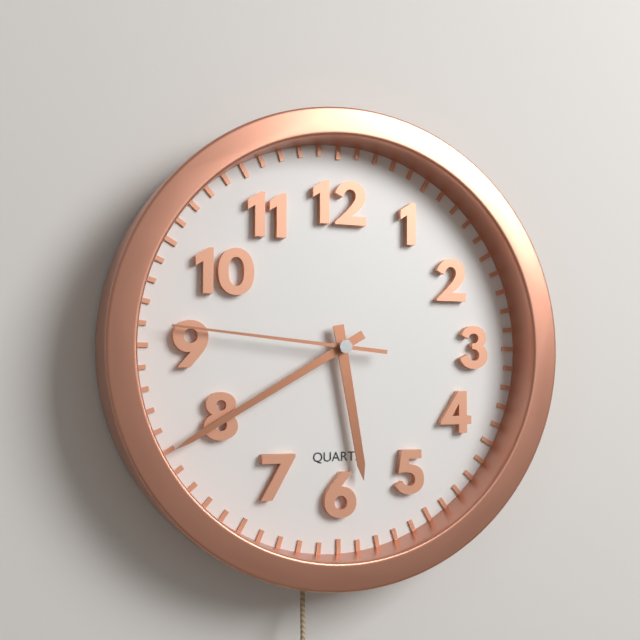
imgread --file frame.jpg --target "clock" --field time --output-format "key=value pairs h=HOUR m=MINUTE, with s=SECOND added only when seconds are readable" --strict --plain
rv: h=5 m=40 s=46
